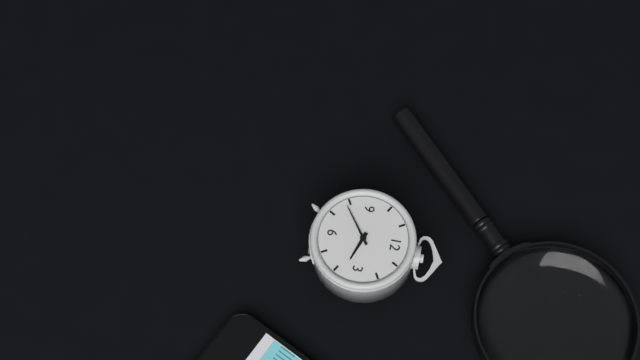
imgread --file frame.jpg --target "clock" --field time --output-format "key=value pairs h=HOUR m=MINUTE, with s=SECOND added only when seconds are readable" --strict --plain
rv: h=3 m=39
